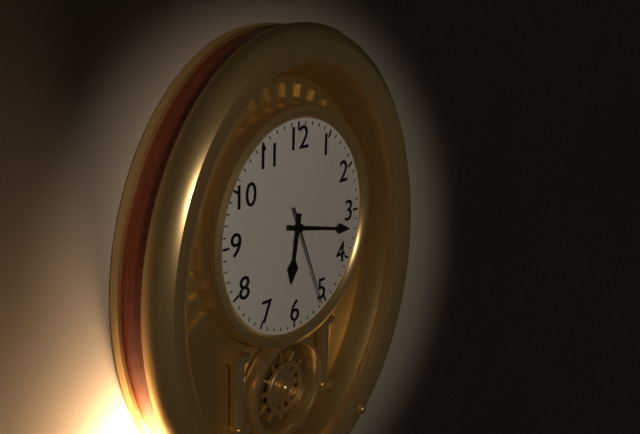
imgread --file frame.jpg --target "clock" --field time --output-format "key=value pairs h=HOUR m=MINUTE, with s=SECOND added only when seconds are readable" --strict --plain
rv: h=6 m=17 s=26
